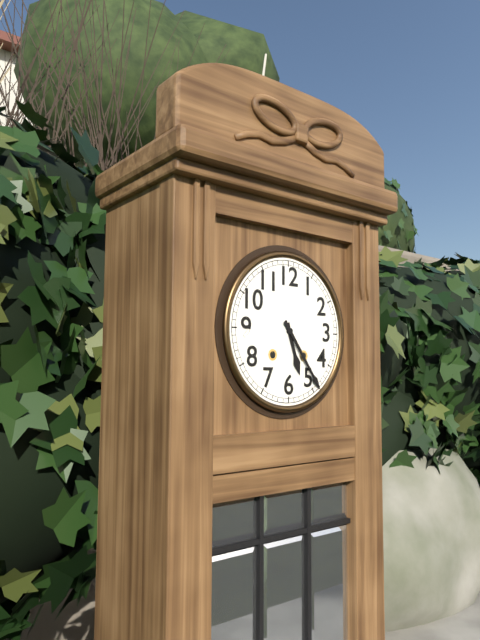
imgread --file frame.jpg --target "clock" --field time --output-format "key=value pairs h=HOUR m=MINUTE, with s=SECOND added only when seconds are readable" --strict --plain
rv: h=5 m=24
